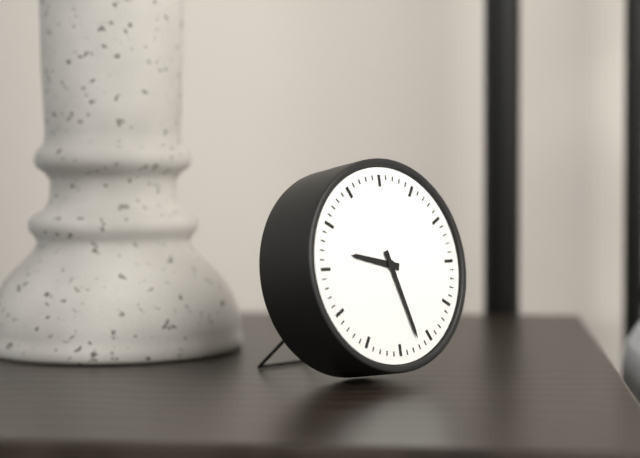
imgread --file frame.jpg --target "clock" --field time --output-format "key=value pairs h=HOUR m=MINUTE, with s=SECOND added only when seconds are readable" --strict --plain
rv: h=9 m=27
